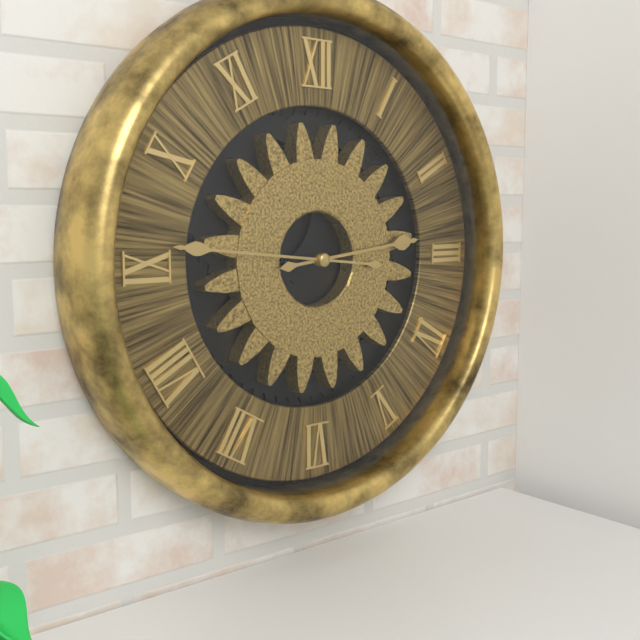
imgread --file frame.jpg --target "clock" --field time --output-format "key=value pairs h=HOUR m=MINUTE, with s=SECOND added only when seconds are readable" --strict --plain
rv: h=2 m=46
